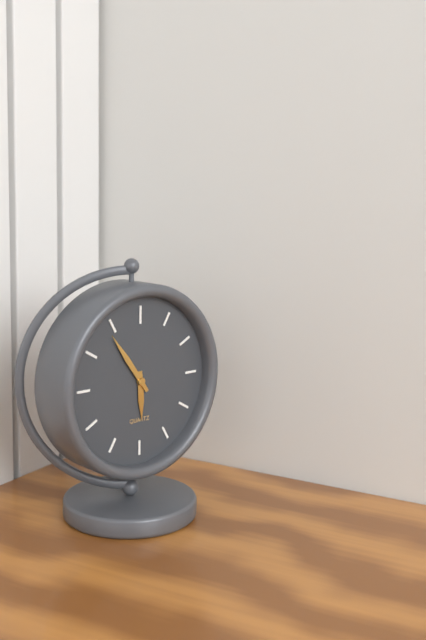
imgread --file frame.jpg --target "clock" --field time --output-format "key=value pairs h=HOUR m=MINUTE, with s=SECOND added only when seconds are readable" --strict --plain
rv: h=5 m=54
